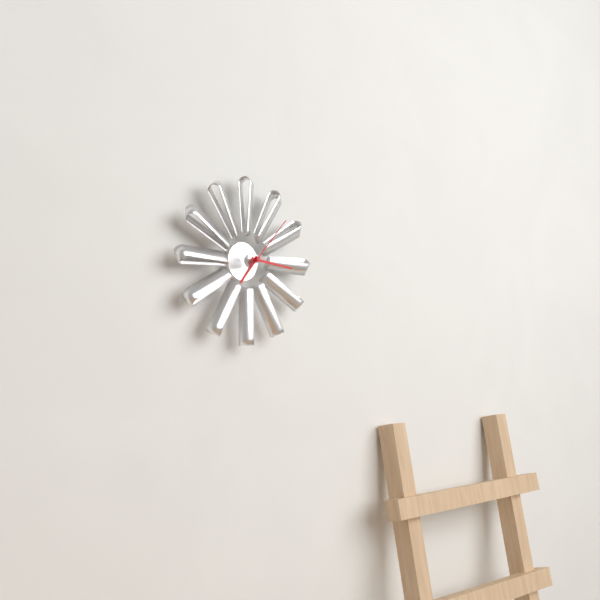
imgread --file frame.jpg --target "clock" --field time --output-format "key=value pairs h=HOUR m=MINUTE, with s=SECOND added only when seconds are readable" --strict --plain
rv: h=7 m=16 s=7
